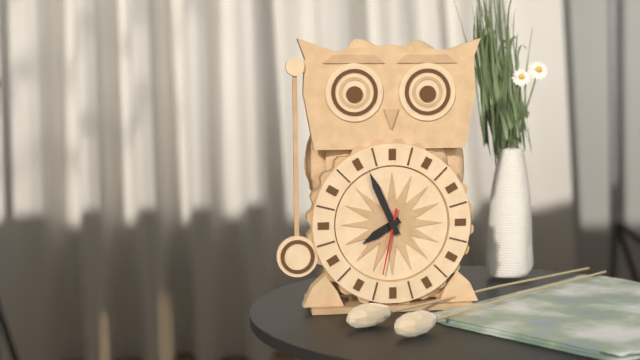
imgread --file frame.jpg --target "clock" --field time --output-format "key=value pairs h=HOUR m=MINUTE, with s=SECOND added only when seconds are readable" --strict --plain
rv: h=7 m=56 s=32
